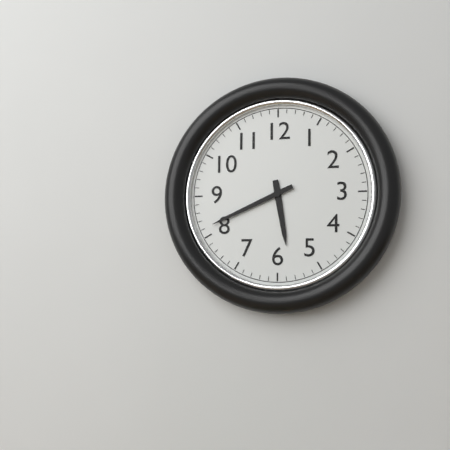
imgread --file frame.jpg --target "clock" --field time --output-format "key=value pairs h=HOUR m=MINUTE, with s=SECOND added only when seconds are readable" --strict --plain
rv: h=5 m=41
